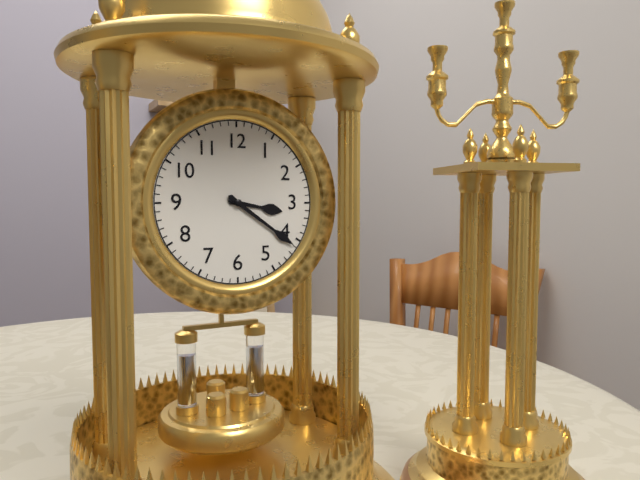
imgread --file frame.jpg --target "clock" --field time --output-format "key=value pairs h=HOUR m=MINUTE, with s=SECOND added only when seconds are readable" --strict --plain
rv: h=3 m=21
